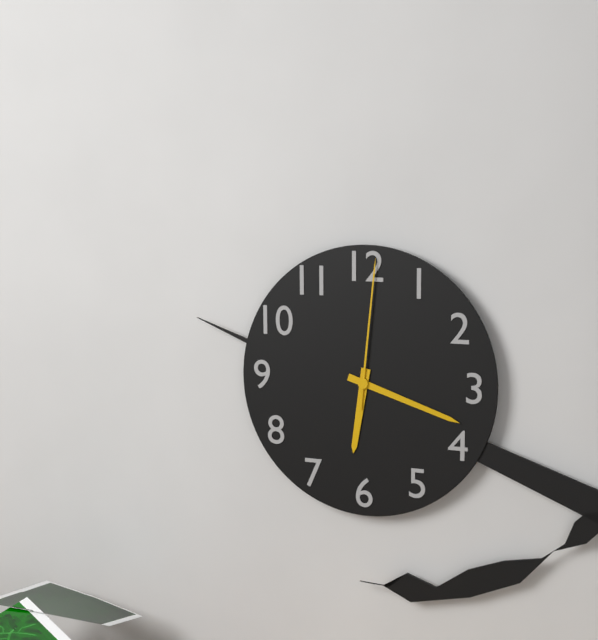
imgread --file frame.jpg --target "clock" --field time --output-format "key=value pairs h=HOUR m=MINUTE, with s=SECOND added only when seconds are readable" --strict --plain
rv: h=6 m=18 s=1
